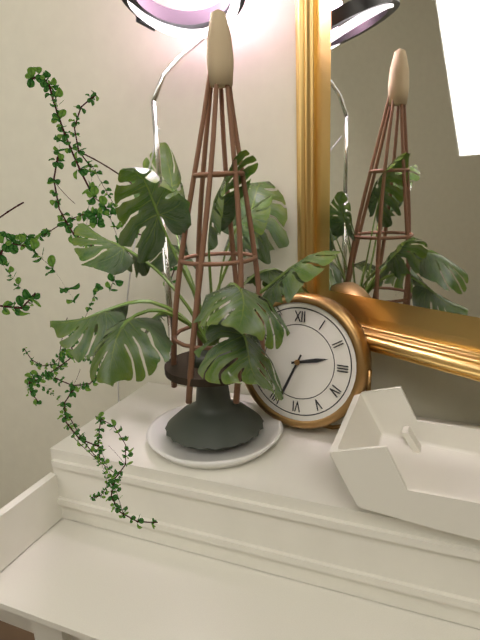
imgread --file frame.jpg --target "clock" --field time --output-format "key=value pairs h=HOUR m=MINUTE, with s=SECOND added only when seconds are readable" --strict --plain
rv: h=2 m=34
